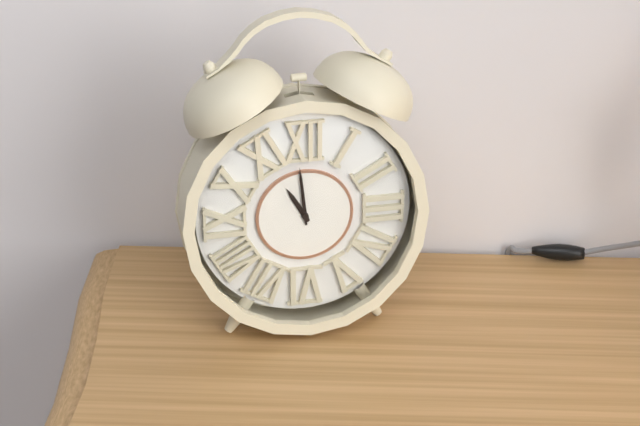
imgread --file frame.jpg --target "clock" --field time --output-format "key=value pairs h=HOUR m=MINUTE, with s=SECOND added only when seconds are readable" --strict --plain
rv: h=10 m=59
